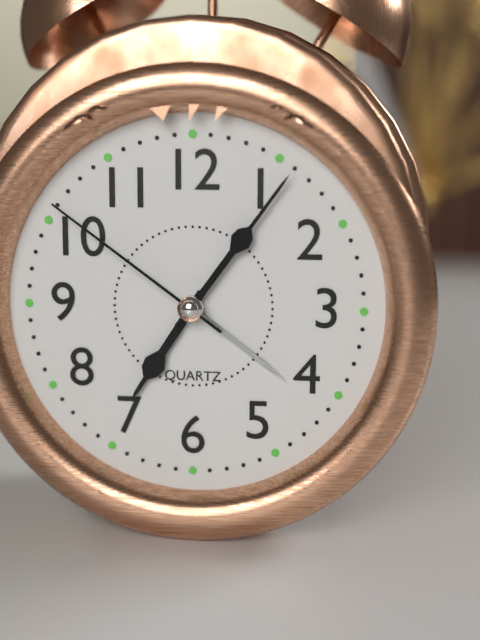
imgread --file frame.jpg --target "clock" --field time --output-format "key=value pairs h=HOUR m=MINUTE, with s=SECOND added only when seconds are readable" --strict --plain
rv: h=7 m=6 s=51
